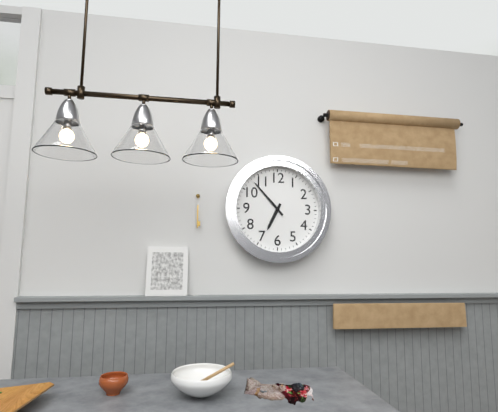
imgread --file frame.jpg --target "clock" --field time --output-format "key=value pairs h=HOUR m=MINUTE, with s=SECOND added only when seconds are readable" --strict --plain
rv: h=6 m=53
